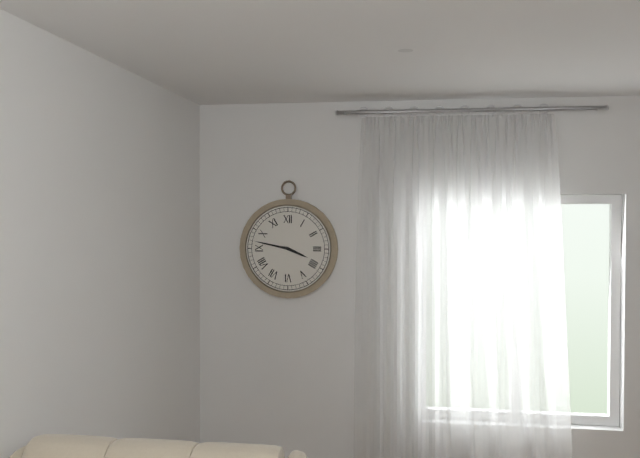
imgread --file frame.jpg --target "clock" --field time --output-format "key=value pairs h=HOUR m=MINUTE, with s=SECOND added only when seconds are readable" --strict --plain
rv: h=3 m=47
